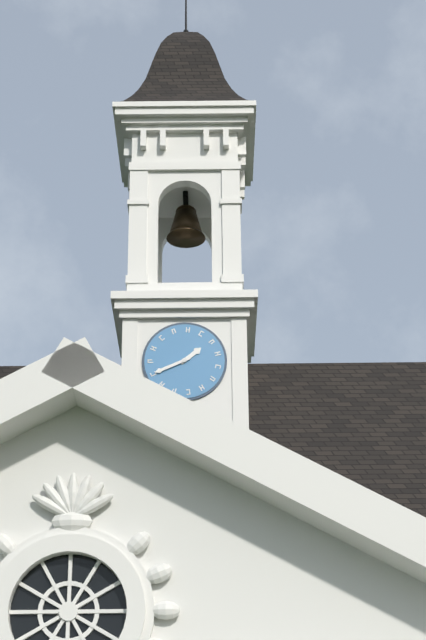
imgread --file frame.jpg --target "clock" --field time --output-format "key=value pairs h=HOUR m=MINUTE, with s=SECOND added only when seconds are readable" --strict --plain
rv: h=1 m=41
